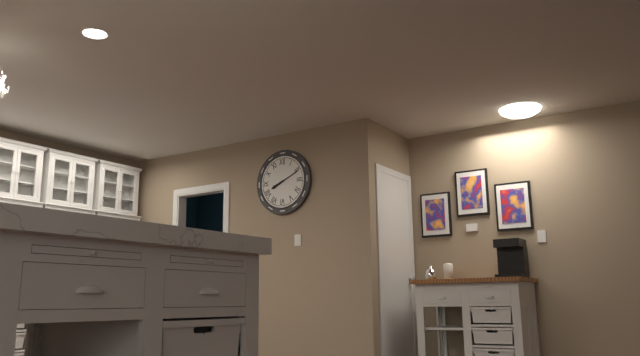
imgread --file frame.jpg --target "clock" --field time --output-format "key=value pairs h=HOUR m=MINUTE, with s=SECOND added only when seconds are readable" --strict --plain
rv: h=8 m=11
